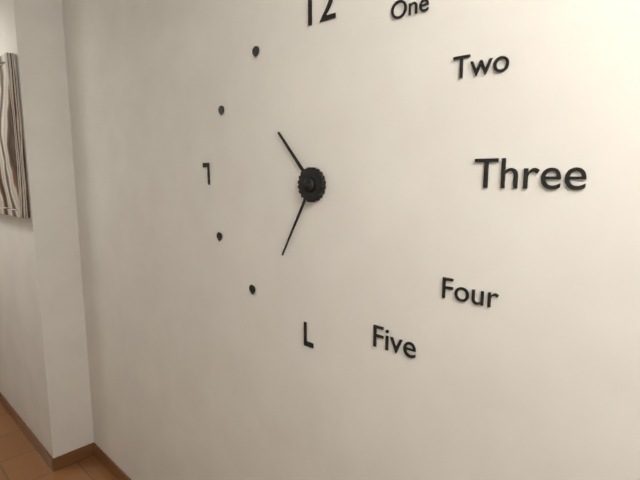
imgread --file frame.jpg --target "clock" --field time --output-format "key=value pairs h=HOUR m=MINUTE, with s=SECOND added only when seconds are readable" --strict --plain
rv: h=10 m=35
